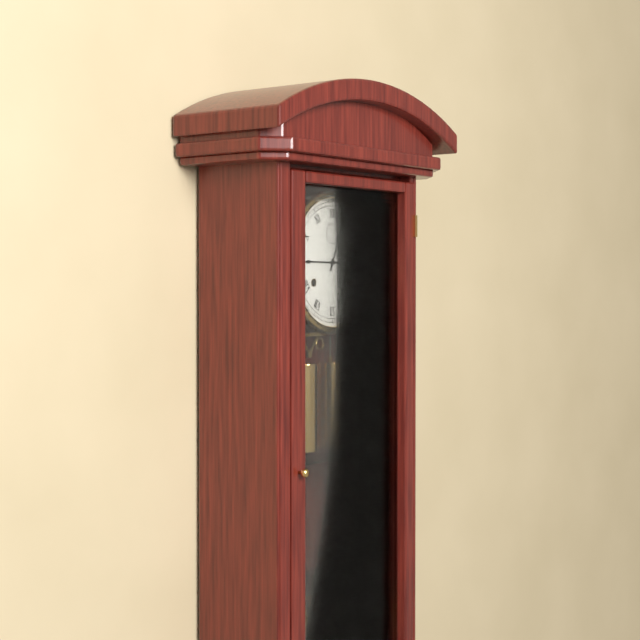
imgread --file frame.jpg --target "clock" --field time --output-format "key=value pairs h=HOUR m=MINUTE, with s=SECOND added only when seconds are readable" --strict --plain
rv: h=12 m=45
